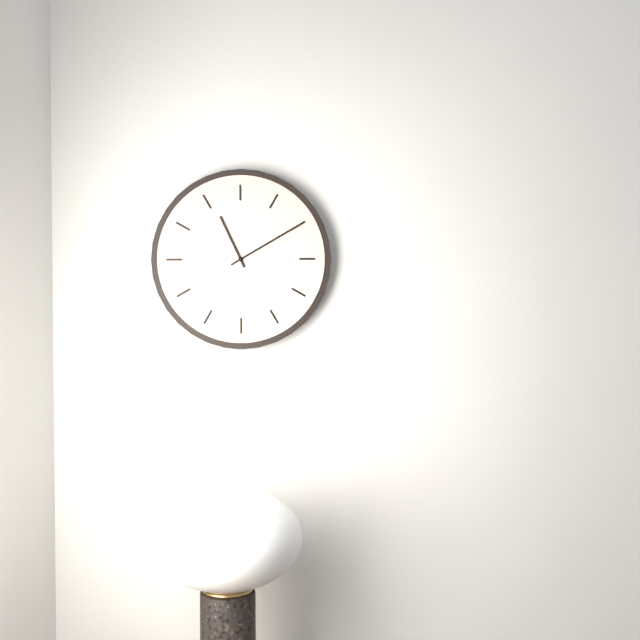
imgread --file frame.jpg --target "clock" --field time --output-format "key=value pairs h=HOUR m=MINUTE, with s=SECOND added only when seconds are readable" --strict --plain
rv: h=11 m=10
